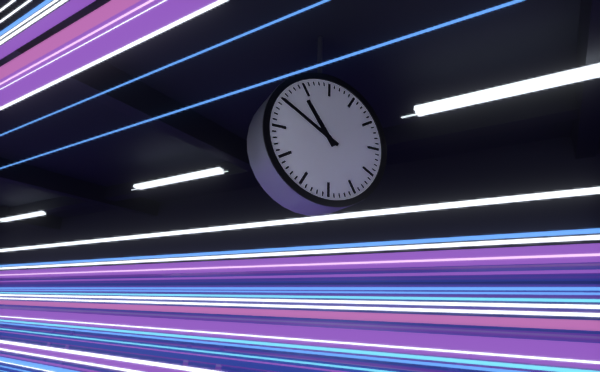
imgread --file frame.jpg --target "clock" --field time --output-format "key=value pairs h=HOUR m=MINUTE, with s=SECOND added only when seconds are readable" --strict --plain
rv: h=10 m=50
